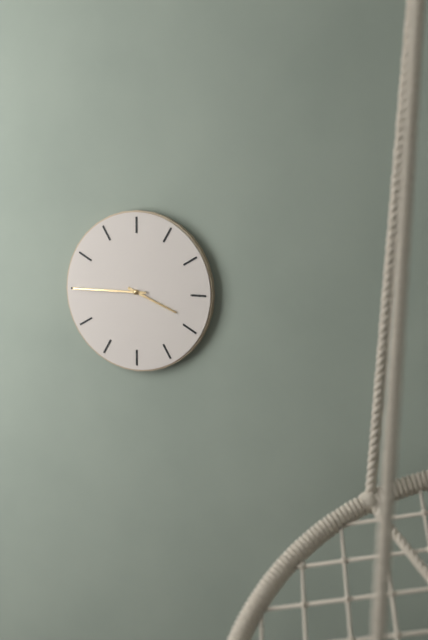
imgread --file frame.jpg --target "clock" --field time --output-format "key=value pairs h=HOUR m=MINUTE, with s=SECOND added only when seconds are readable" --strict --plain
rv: h=3 m=45
